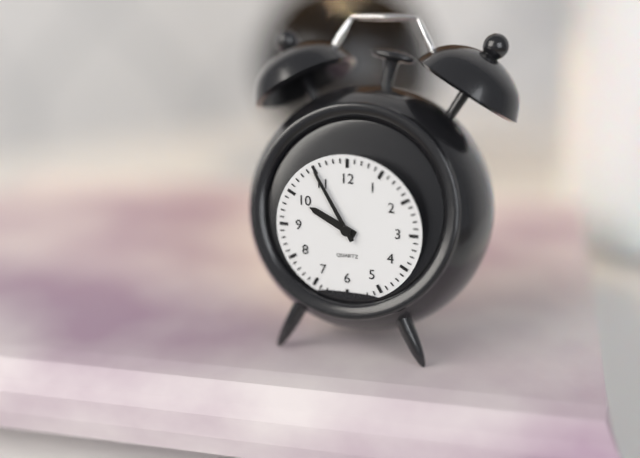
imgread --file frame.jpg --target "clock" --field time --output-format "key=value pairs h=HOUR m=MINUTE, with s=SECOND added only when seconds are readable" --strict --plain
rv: h=9 m=55
